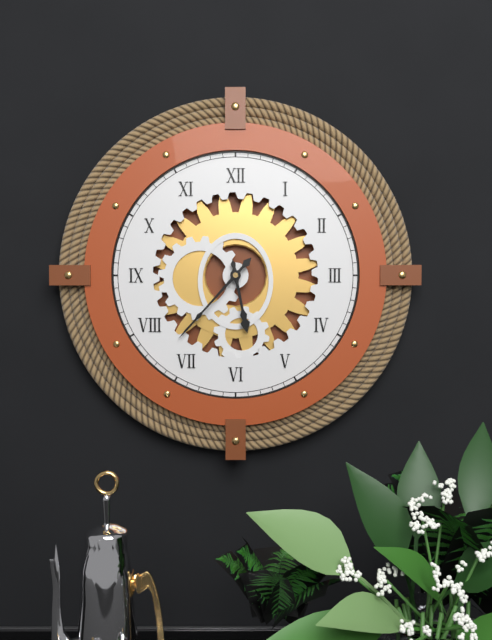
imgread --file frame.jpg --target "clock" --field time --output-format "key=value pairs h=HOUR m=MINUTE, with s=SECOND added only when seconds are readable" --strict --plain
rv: h=5 m=37
